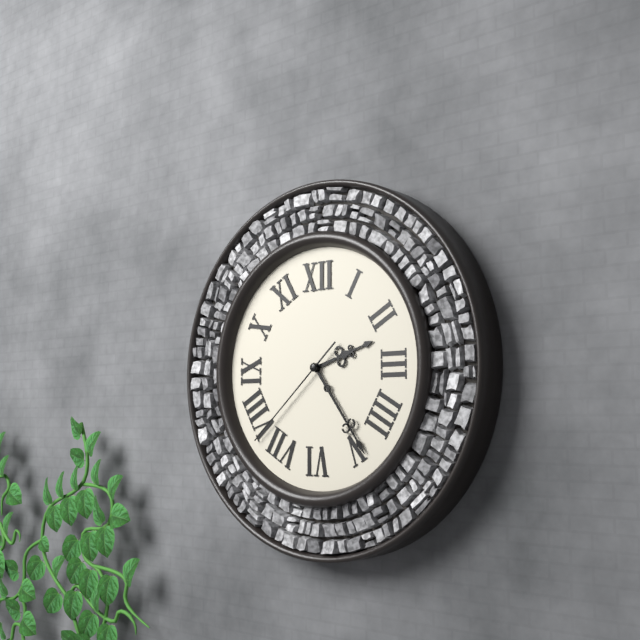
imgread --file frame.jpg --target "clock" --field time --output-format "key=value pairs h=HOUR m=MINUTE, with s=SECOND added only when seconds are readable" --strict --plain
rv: h=2 m=24 s=38
